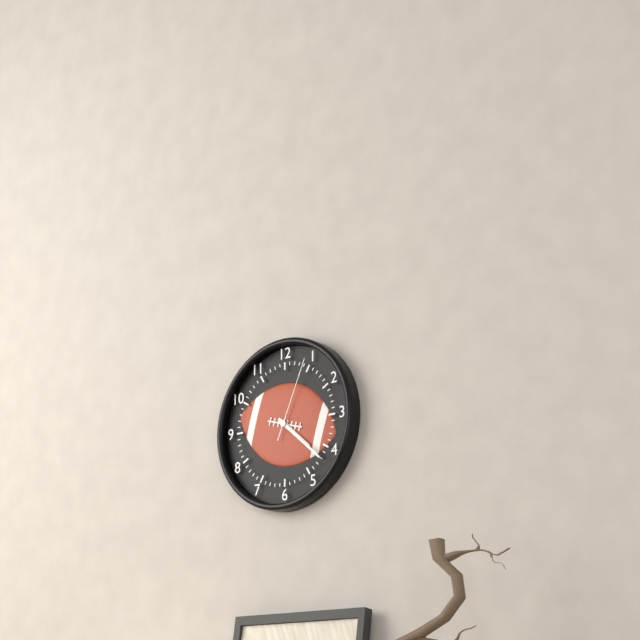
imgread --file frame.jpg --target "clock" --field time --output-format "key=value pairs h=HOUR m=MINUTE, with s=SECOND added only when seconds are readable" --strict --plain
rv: h=4 m=22 s=4
